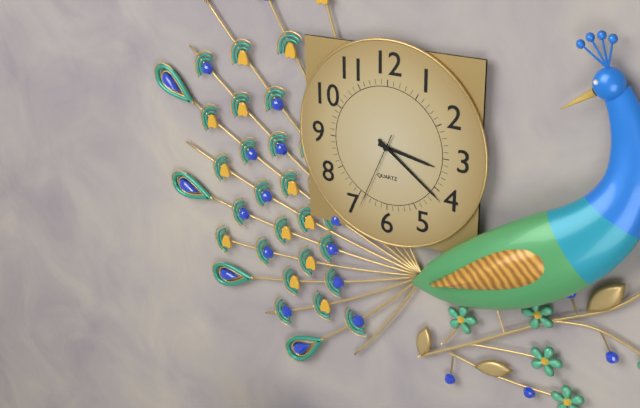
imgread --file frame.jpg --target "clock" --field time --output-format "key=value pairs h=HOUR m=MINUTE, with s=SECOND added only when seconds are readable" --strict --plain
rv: h=3 m=21 s=34
